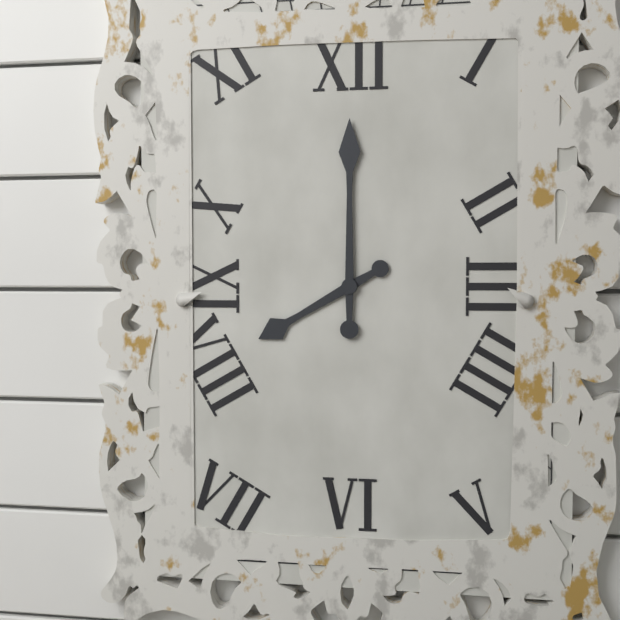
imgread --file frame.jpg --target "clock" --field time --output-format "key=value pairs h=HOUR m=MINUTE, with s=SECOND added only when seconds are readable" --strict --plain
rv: h=8 m=0
